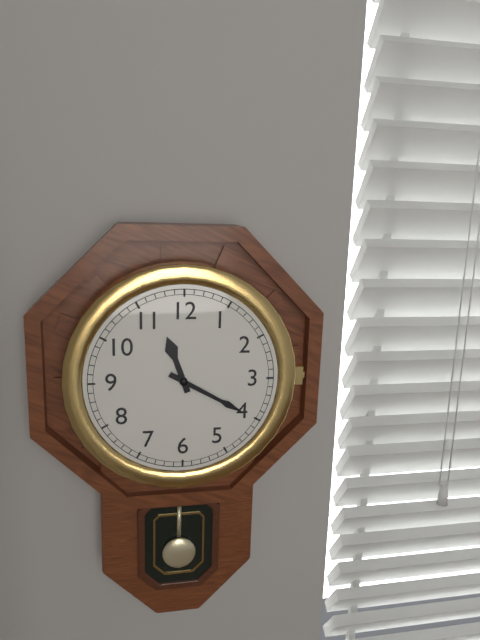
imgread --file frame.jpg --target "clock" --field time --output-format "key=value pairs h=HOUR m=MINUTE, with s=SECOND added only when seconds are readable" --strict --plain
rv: h=11 m=20
